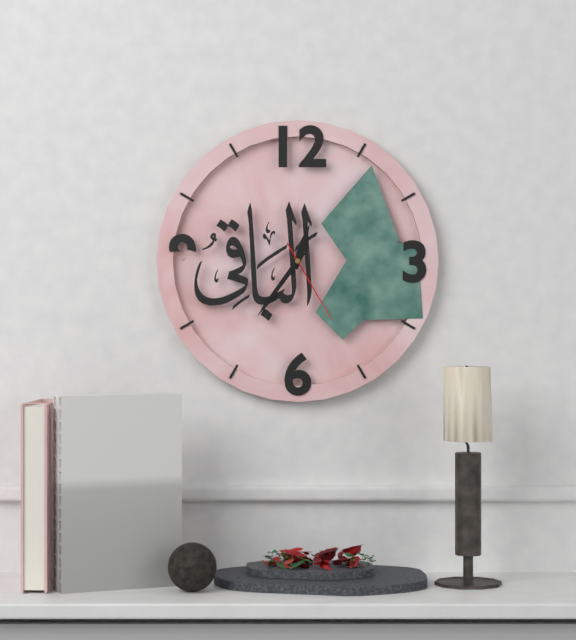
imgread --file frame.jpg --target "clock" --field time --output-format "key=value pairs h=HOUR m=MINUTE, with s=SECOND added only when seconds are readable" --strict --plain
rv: h=12 m=36 s=25
